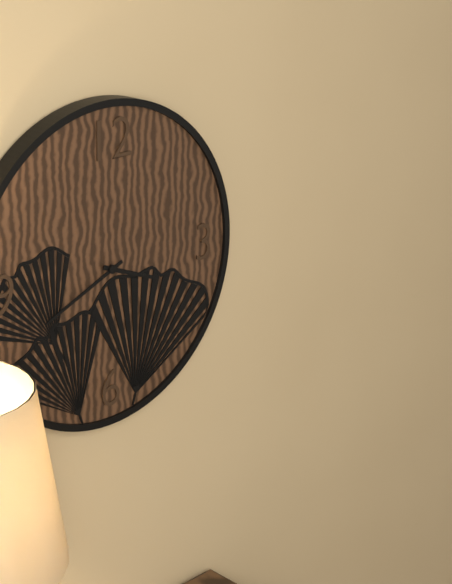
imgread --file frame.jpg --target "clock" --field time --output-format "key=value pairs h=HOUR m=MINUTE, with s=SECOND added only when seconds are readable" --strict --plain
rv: h=3 m=41
